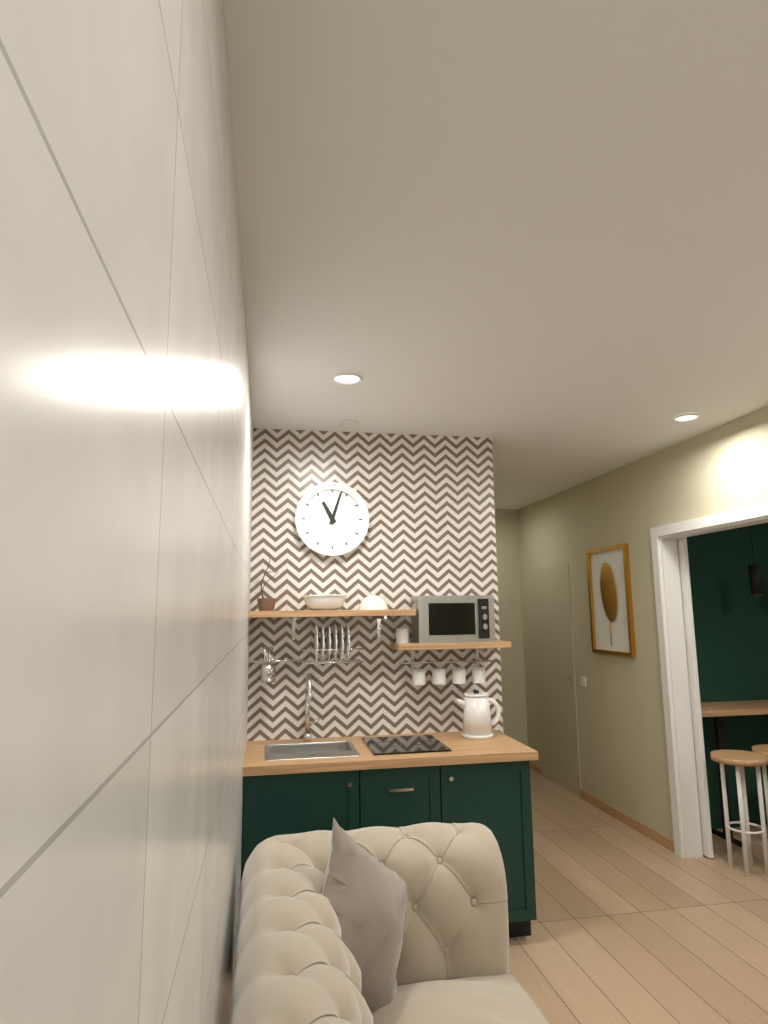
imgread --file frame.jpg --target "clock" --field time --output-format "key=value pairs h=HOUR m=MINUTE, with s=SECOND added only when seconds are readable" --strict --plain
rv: h=11 m=3
